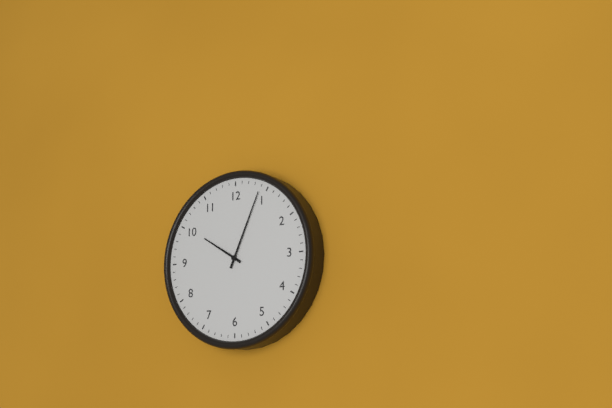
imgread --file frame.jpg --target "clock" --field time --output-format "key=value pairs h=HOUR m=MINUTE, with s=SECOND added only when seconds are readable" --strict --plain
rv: h=10 m=4
